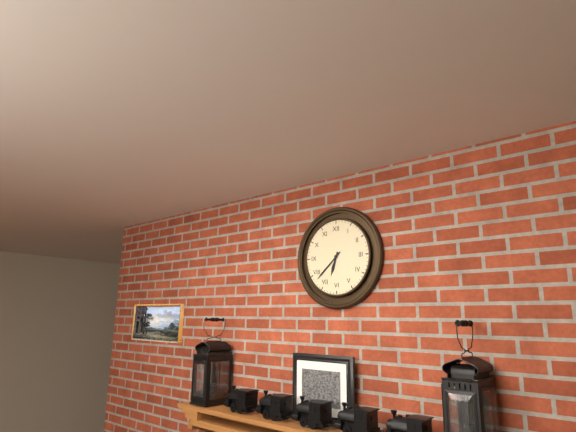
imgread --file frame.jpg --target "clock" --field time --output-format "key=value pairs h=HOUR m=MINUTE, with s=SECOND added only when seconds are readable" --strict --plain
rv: h=6 m=38
